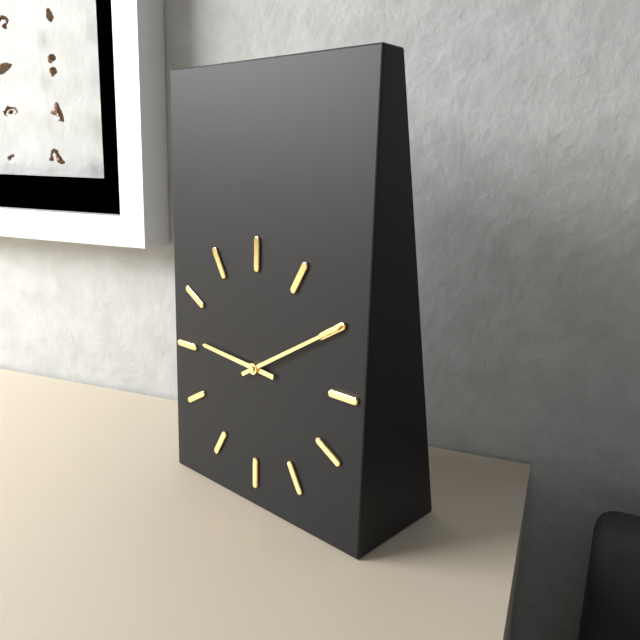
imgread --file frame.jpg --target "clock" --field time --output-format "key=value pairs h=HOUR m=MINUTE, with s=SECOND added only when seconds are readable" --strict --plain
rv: h=9 m=10
